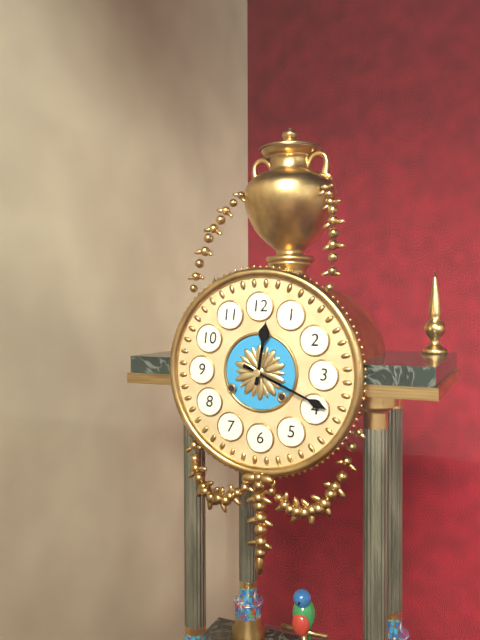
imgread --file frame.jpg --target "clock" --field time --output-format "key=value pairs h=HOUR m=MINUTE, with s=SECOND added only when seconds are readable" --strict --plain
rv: h=12 m=19
